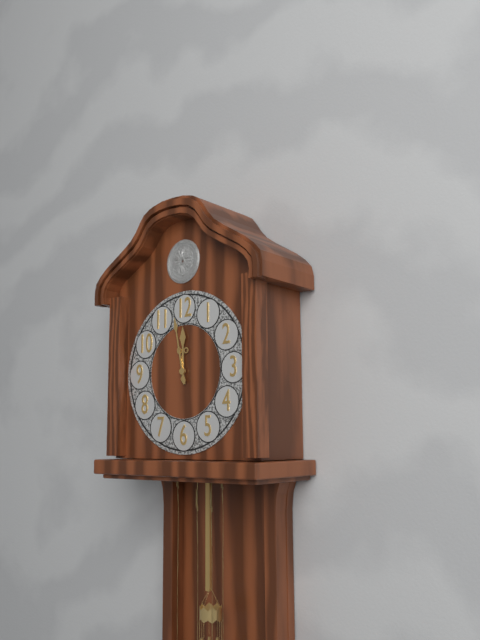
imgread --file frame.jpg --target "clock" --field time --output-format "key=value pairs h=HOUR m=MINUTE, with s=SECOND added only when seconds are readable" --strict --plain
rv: h=11 m=58
